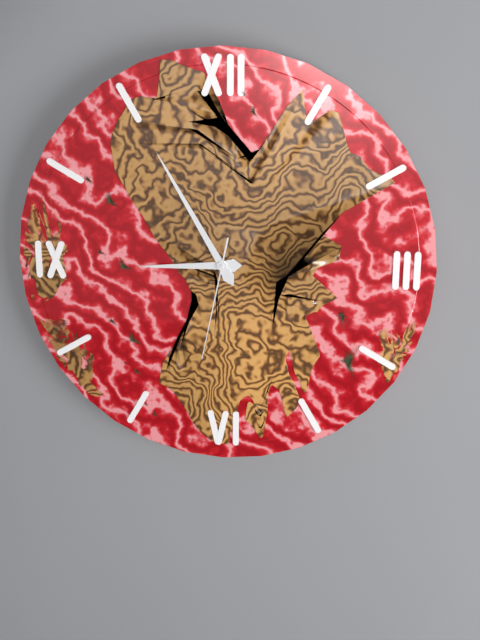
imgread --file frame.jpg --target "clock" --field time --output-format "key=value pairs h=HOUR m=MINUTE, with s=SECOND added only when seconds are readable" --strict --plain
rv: h=8 m=55 s=32
